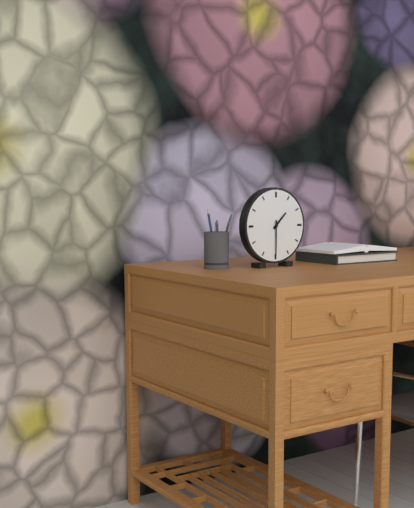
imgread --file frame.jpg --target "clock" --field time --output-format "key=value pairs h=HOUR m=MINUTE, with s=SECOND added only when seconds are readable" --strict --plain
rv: h=1 m=30
